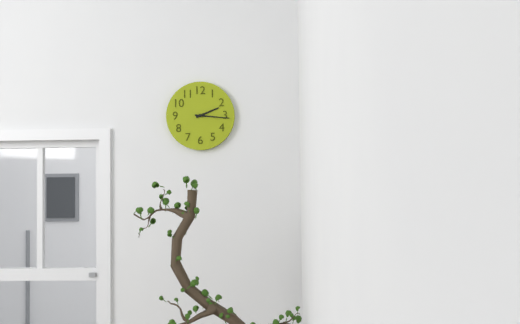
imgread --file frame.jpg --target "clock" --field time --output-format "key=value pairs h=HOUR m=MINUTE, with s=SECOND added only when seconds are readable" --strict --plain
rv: h=2 m=16
